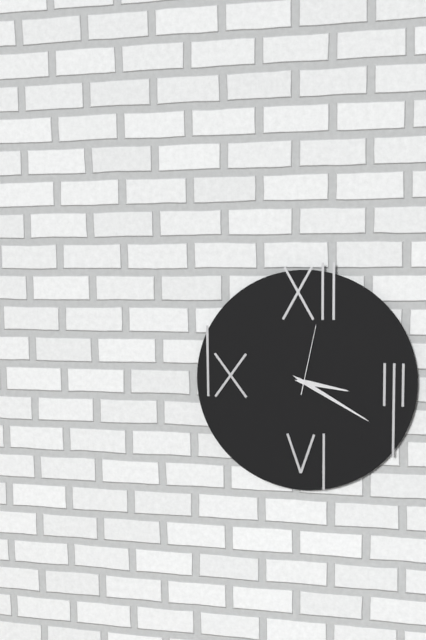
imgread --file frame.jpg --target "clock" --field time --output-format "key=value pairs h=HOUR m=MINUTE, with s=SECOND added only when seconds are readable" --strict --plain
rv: h=3 m=20 s=2
